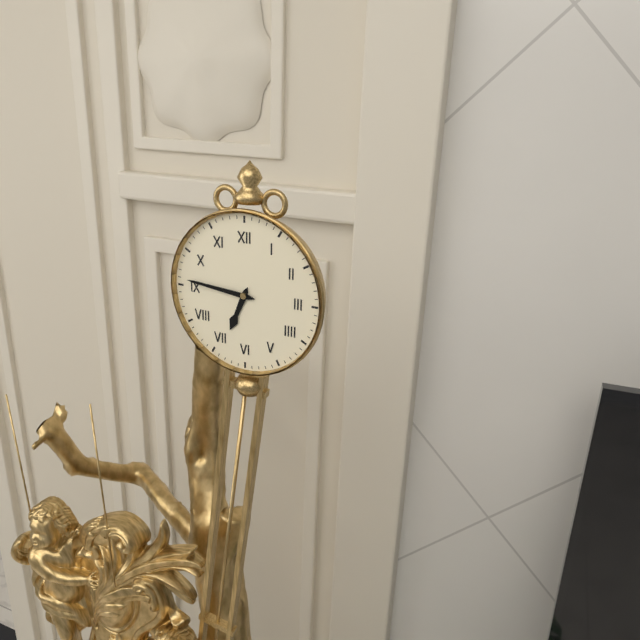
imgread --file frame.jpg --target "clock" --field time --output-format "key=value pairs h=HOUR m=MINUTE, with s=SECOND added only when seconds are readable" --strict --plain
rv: h=6 m=46
